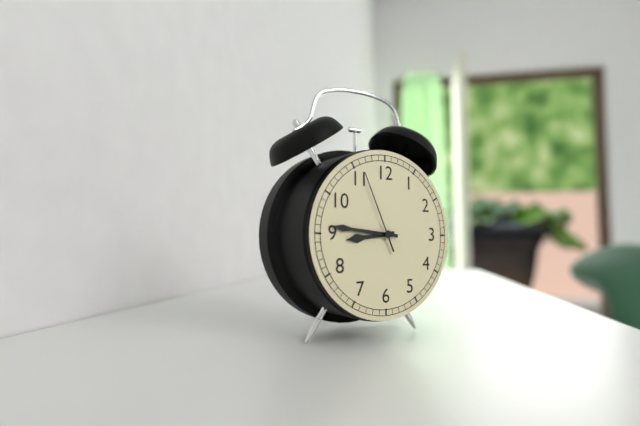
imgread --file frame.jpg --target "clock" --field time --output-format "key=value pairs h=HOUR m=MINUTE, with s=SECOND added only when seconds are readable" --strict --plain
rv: h=8 m=46 s=56
